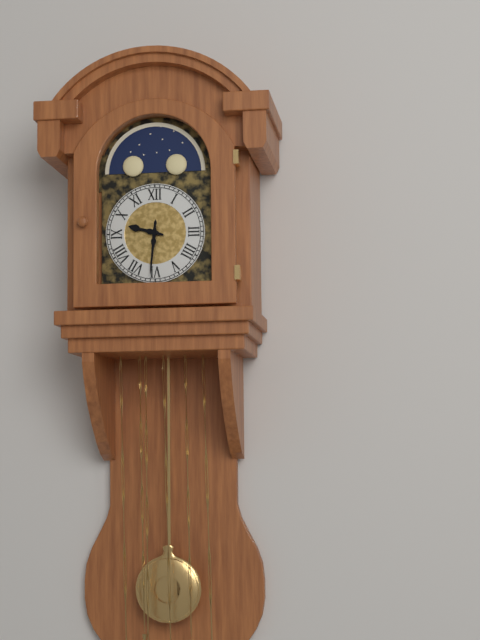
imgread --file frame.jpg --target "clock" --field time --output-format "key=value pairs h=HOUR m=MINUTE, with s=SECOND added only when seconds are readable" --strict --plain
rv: h=9 m=31
